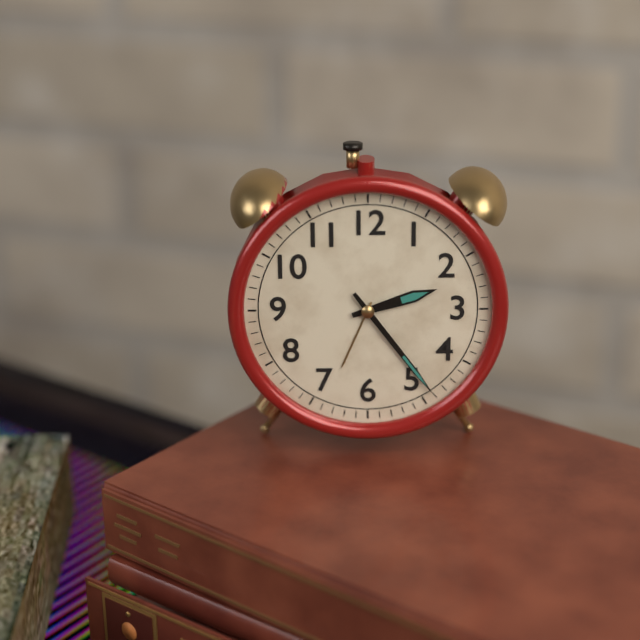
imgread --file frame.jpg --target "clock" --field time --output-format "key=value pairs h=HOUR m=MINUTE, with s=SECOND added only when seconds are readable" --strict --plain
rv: h=2 m=24
